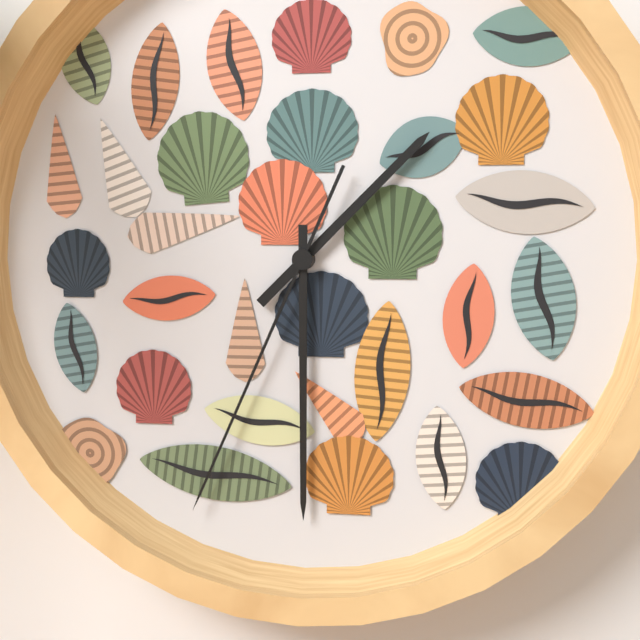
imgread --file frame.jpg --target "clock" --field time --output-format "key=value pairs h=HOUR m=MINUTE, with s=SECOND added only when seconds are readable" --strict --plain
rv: h=1 m=30 s=34
